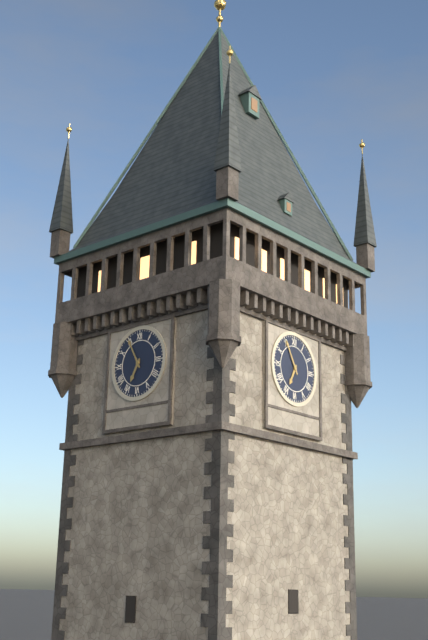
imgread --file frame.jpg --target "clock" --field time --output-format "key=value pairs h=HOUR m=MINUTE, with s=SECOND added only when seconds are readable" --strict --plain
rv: h=6 m=55
